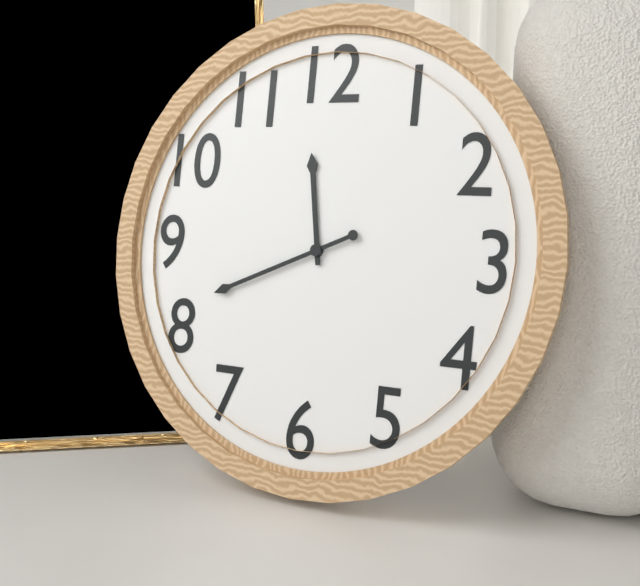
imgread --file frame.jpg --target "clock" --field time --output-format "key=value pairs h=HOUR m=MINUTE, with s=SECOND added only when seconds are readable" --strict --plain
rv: h=11 m=41
